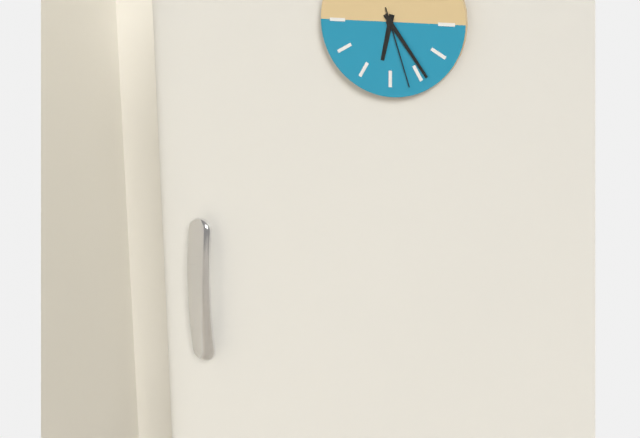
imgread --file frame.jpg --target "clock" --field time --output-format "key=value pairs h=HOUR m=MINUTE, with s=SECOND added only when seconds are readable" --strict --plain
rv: h=6 m=24 s=27
